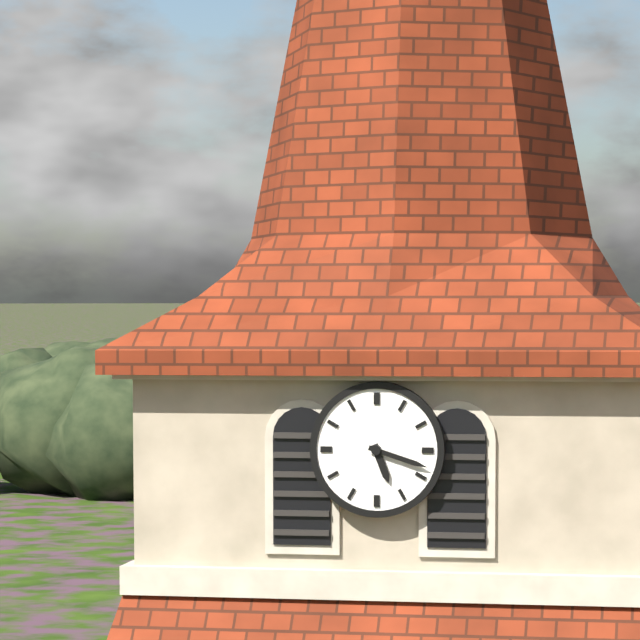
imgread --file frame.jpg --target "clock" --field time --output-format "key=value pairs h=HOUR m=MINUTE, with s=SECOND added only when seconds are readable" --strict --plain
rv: h=5 m=18
